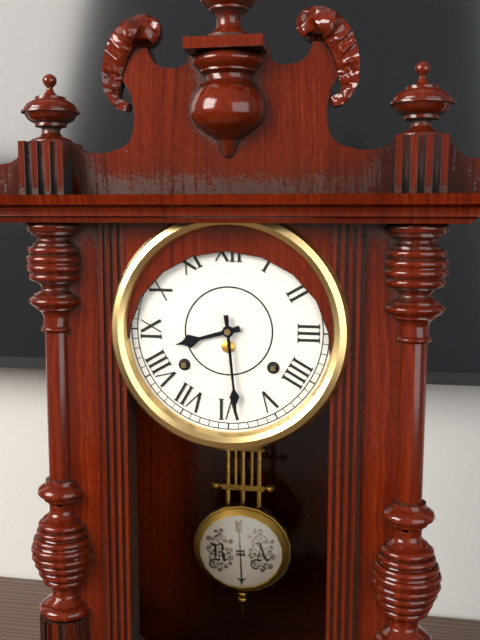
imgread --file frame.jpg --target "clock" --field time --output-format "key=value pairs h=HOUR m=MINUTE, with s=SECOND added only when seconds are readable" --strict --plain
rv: h=8 m=29
